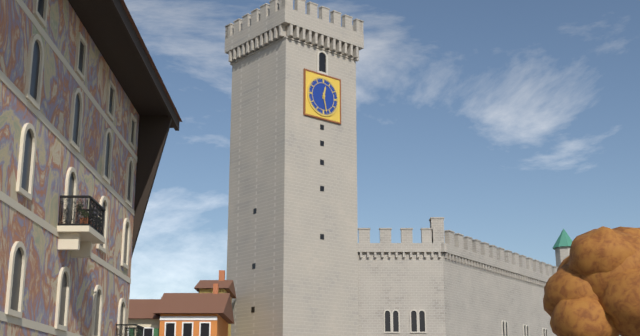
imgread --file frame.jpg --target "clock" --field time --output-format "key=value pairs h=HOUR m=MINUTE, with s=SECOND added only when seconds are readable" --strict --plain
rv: h=12 m=28
